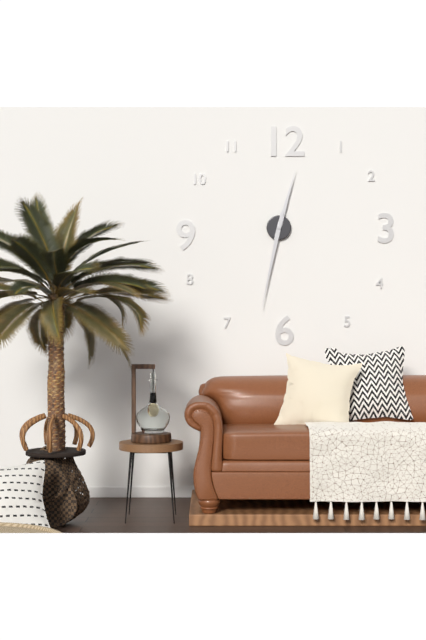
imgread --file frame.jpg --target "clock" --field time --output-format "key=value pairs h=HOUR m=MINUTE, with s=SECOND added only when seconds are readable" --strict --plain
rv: h=12 m=32
